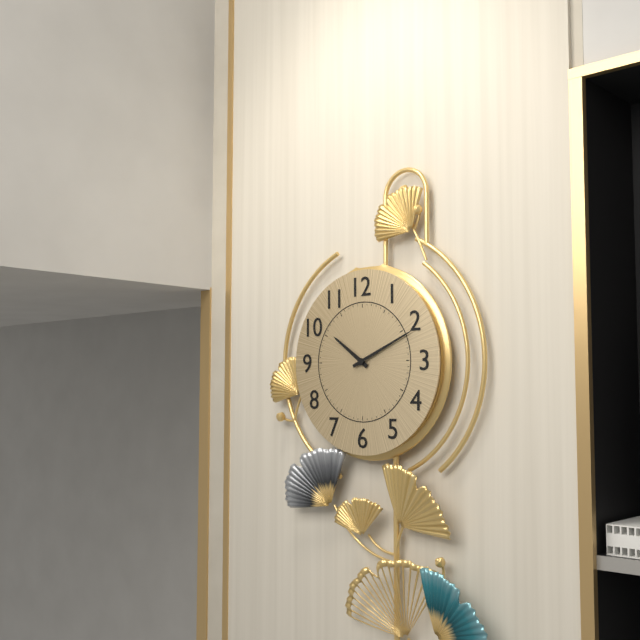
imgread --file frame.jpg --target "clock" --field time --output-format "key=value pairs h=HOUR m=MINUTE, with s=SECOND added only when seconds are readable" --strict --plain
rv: h=10 m=11
